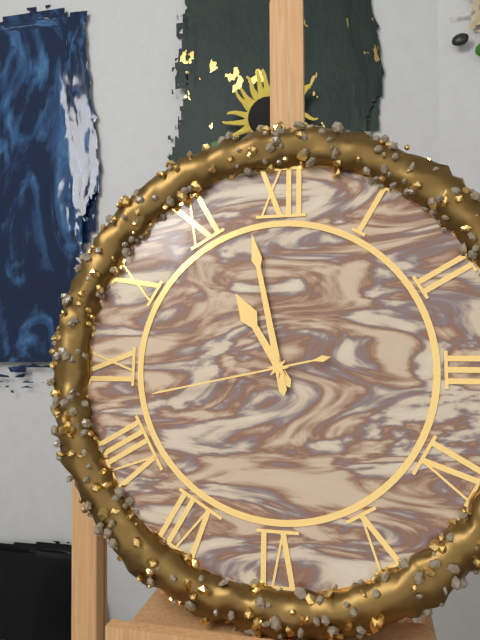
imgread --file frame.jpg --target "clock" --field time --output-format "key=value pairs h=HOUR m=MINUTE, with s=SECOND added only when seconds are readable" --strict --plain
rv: h=10 m=58 s=43
